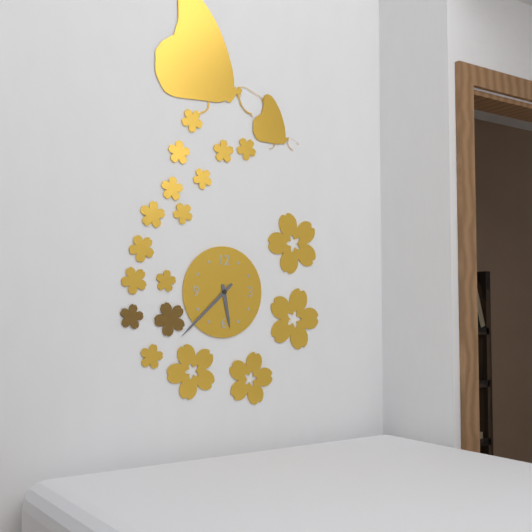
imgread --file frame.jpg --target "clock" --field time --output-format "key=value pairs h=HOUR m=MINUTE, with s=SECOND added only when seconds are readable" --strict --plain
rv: h=5 m=38
